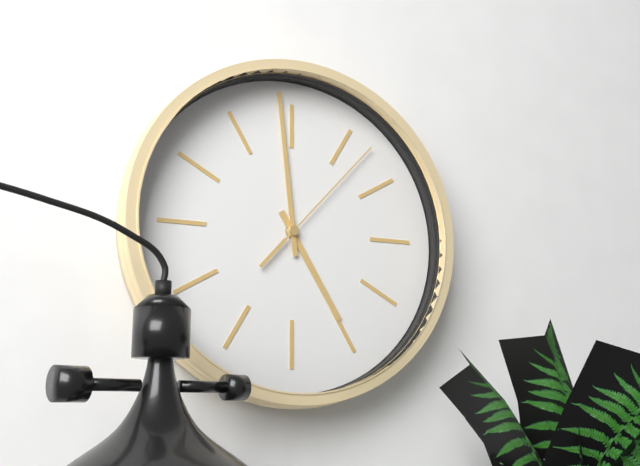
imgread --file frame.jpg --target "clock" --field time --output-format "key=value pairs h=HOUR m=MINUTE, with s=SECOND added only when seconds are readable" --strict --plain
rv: h=4 m=59 s=7
